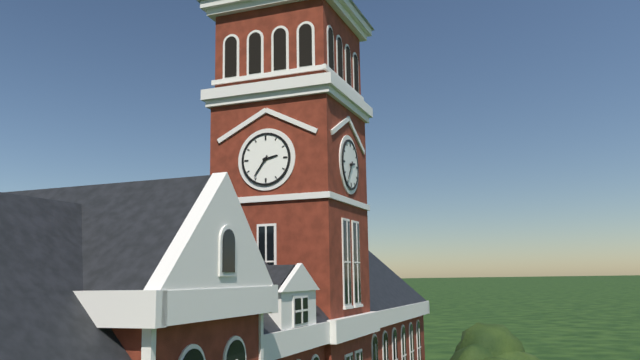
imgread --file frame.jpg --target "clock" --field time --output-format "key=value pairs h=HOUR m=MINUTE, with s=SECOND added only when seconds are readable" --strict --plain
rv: h=2 m=36
